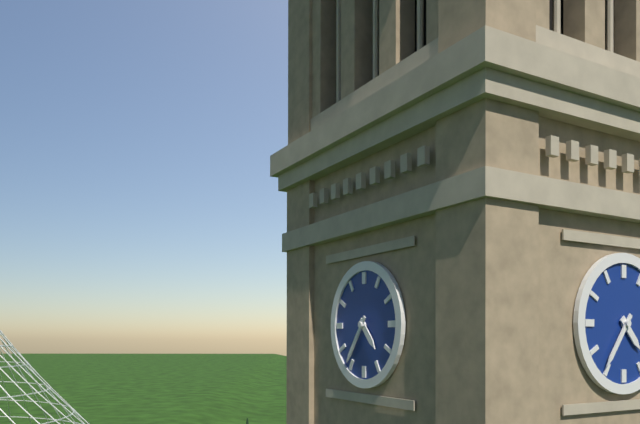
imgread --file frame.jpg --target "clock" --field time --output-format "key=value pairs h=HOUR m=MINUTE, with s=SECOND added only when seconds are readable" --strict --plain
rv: h=4 m=36
